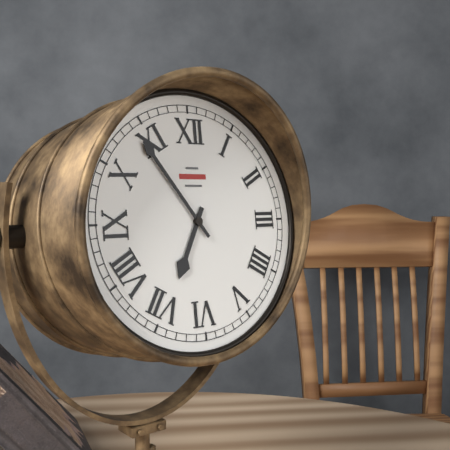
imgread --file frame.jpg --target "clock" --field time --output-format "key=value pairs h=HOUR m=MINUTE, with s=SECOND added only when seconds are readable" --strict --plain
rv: h=6 m=54
